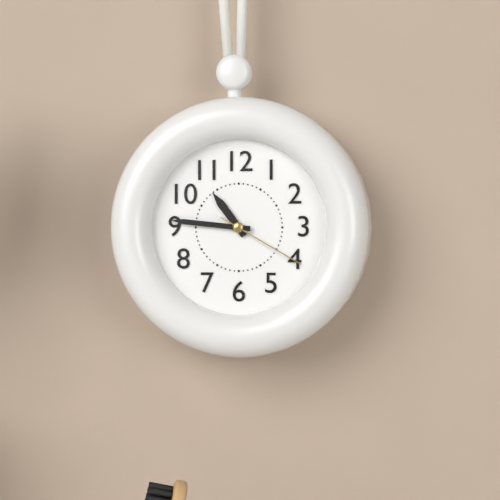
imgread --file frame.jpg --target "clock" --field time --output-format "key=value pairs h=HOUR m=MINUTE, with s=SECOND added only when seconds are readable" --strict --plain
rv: h=10 m=46 s=20
